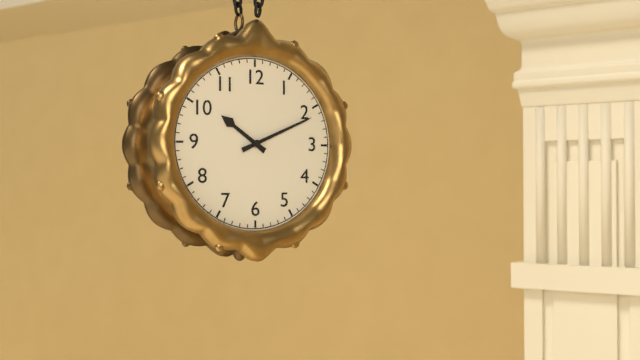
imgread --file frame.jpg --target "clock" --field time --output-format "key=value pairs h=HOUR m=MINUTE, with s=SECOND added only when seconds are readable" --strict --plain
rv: h=10 m=11
